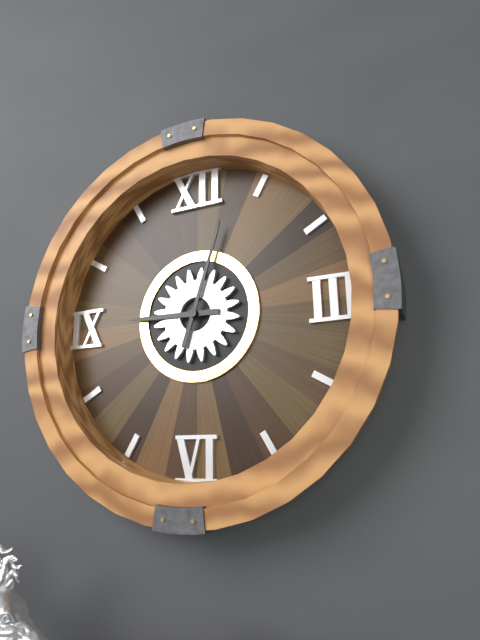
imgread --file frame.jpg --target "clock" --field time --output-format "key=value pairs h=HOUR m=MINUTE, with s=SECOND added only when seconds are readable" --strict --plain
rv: h=9 m=3
